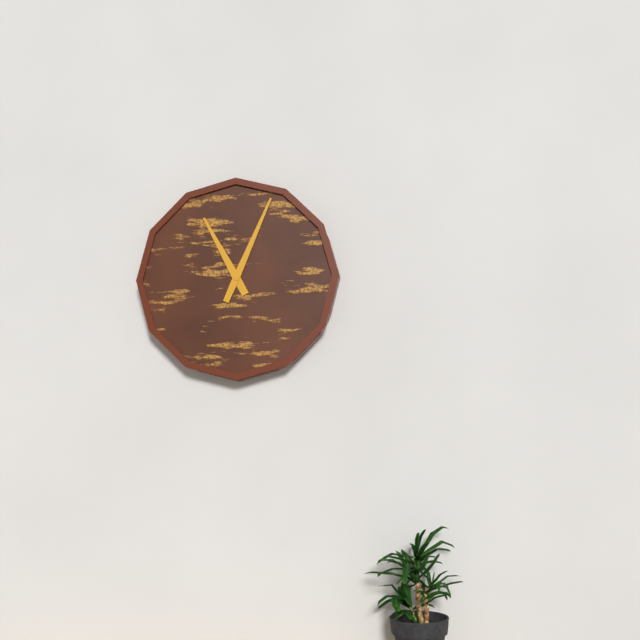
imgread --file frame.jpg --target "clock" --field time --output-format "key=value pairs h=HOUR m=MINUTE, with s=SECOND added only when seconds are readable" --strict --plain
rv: h=11 m=4
